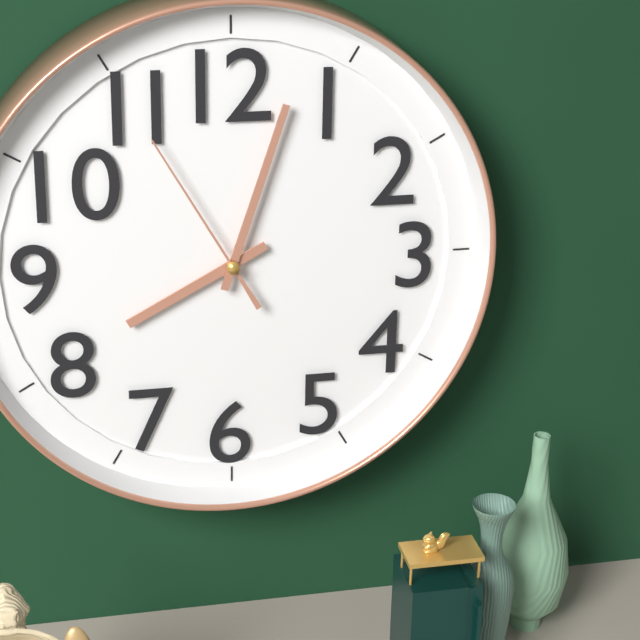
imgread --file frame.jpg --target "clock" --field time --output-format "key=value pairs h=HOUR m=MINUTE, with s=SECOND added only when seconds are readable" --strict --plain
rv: h=8 m=3 s=55
